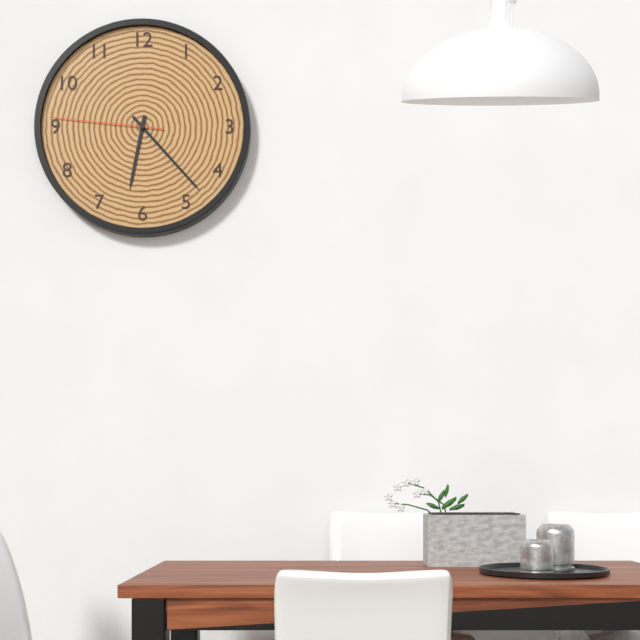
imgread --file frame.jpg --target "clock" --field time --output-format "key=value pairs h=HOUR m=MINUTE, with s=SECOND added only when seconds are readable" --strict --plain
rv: h=6 m=23 s=46
